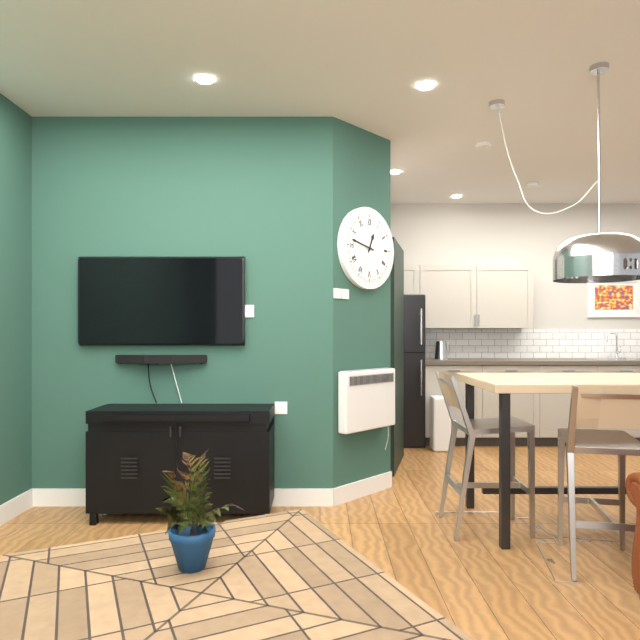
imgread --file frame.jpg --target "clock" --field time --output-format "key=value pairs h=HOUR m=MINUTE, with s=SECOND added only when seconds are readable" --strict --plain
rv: h=12 m=47
